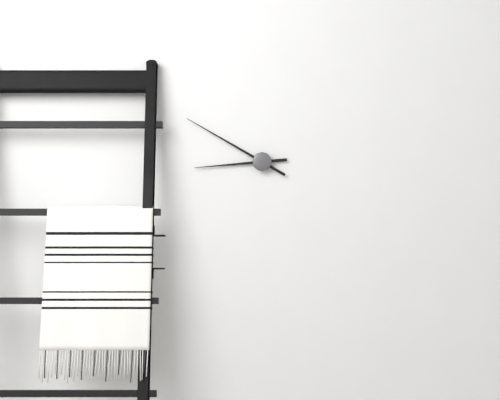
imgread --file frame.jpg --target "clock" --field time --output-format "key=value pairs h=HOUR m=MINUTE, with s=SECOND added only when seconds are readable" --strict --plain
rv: h=8 m=50
